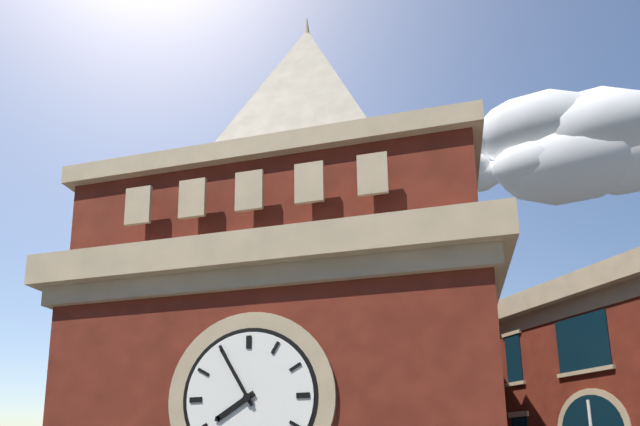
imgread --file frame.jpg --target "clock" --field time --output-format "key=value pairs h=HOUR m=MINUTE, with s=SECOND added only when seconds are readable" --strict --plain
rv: h=7 m=55
